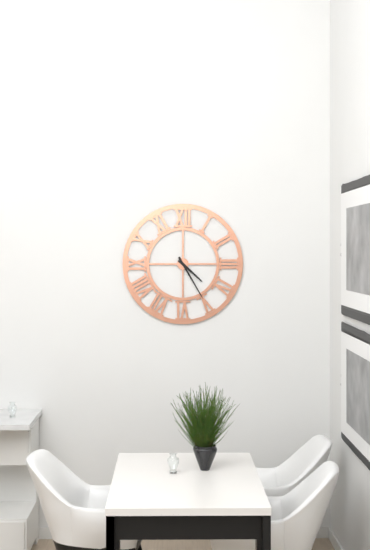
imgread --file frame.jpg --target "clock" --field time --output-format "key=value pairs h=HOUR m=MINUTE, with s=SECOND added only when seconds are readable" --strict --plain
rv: h=4 m=25
